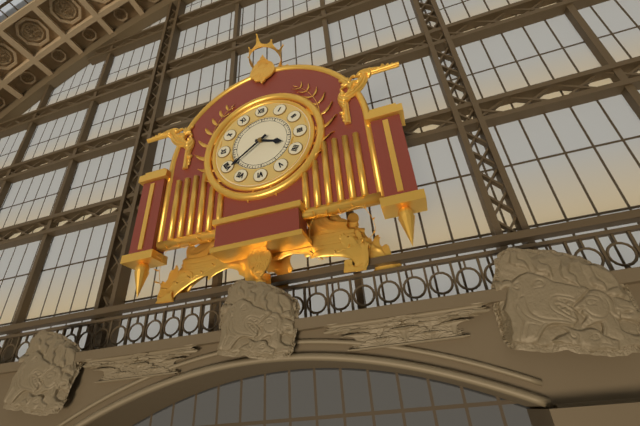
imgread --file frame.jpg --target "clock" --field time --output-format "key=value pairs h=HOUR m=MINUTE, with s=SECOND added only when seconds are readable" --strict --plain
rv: h=3 m=39
